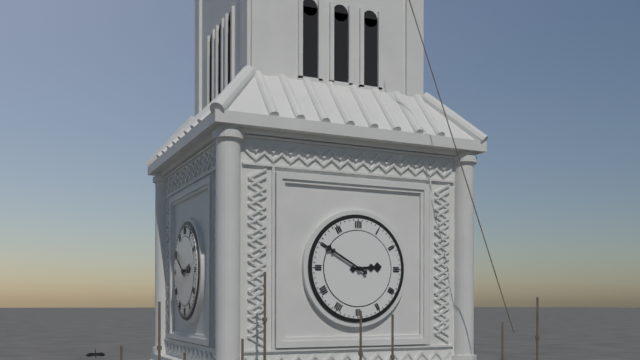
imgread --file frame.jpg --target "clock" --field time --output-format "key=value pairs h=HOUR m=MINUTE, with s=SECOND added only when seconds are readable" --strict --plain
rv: h=2 m=50
